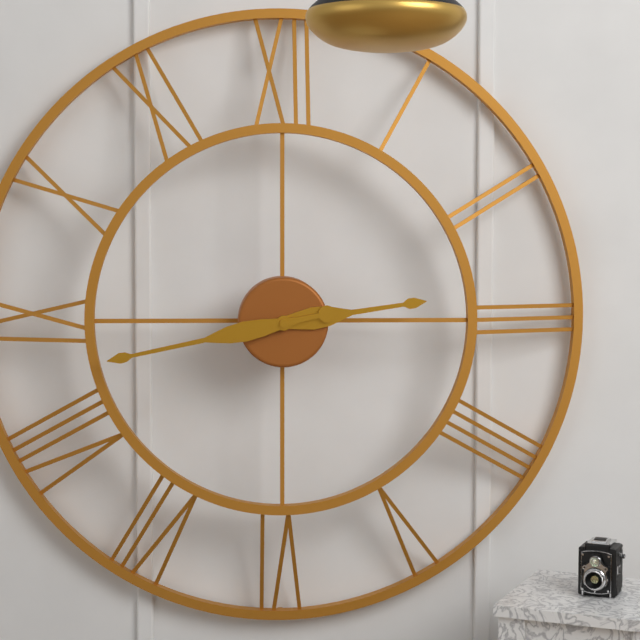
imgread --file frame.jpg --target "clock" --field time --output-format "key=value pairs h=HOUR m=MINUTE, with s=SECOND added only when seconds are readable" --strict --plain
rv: h=2 m=43
